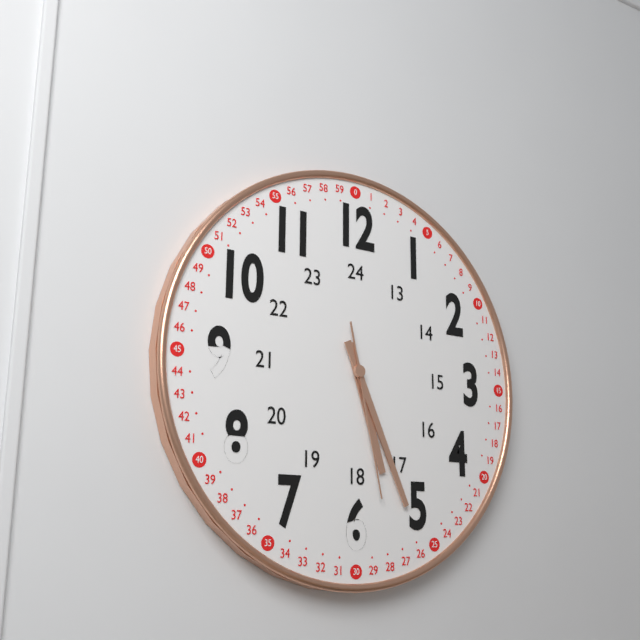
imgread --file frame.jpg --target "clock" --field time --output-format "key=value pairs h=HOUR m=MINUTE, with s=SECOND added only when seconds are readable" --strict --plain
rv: h=5 m=26 s=28
